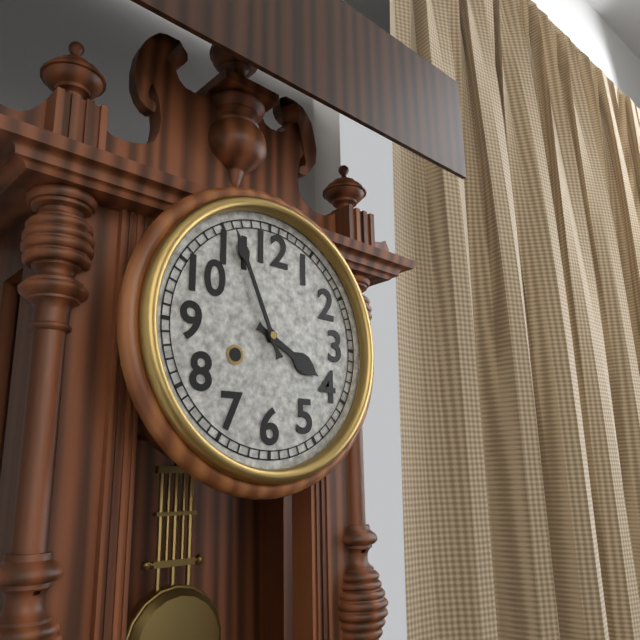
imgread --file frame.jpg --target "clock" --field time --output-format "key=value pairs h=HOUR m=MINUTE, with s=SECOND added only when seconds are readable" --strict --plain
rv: h=3 m=56
